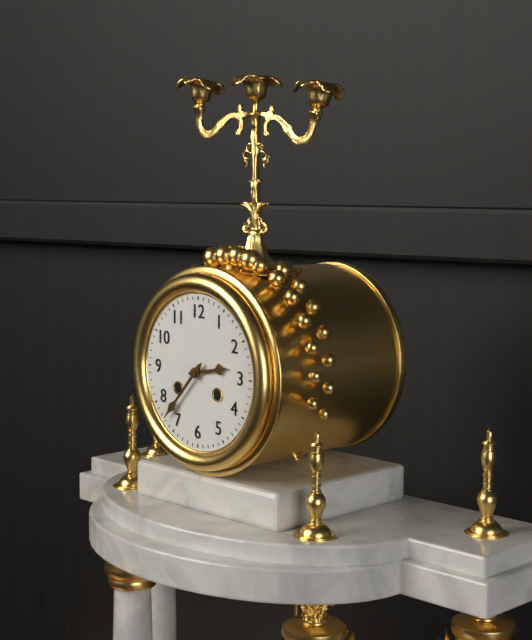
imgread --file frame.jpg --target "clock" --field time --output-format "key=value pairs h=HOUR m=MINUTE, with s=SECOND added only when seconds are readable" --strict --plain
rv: h=2 m=37
